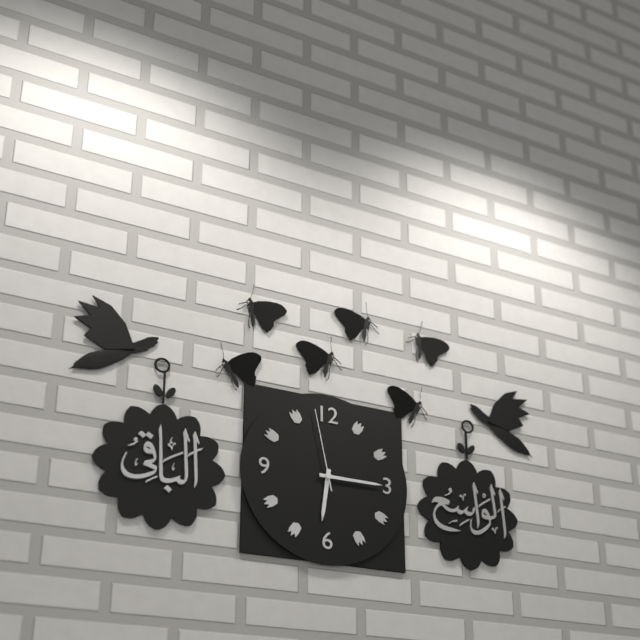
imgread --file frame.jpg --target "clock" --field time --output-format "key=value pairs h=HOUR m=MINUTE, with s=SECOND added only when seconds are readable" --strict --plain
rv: h=6 m=15 s=58
